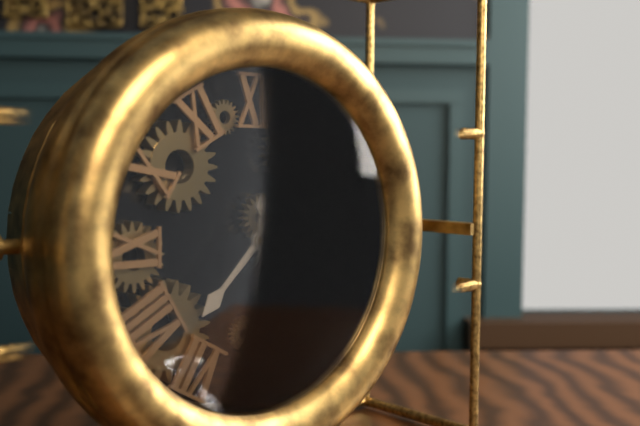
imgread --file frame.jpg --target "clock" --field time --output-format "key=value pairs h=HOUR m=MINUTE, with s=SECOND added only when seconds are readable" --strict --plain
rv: h=7 m=30
